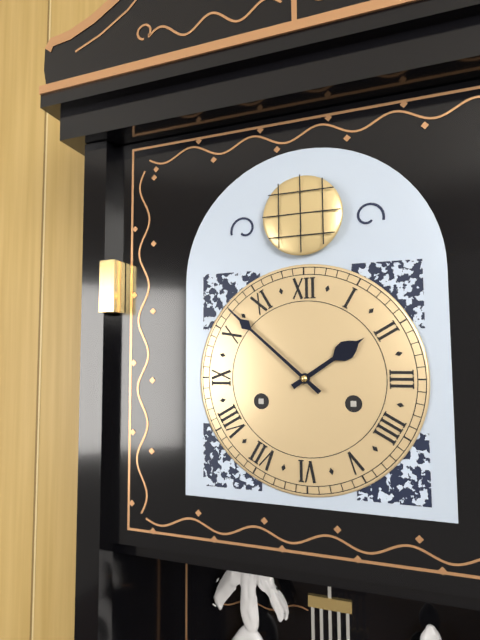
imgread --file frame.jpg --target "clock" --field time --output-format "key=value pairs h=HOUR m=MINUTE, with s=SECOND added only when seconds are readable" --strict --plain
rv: h=1 m=52
